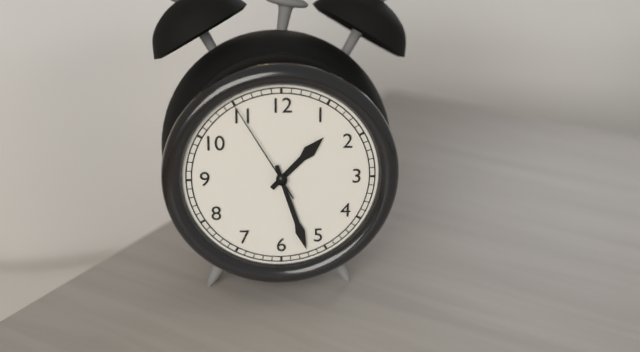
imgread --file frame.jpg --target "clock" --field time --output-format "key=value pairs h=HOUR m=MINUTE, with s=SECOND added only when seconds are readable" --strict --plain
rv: h=1 m=27 s=55
